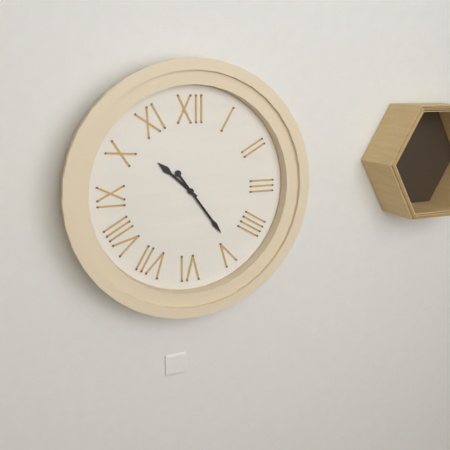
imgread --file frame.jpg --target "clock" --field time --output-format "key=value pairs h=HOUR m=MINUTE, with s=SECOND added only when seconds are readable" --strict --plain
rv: h=10 m=24
